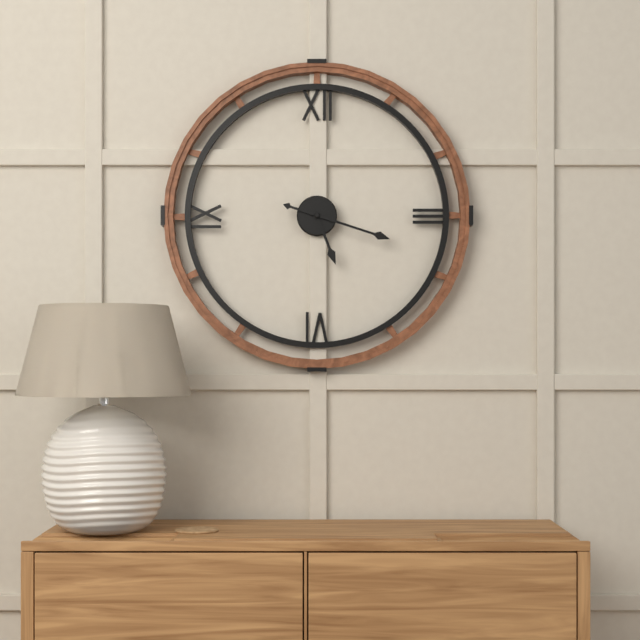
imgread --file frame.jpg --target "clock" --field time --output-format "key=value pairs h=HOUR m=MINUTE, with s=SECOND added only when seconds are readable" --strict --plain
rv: h=5 m=18
